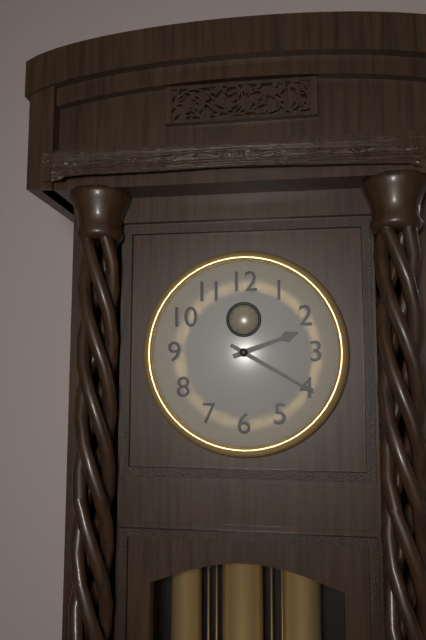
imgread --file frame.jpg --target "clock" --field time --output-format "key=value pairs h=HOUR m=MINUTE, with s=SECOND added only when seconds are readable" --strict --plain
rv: h=2 m=20
